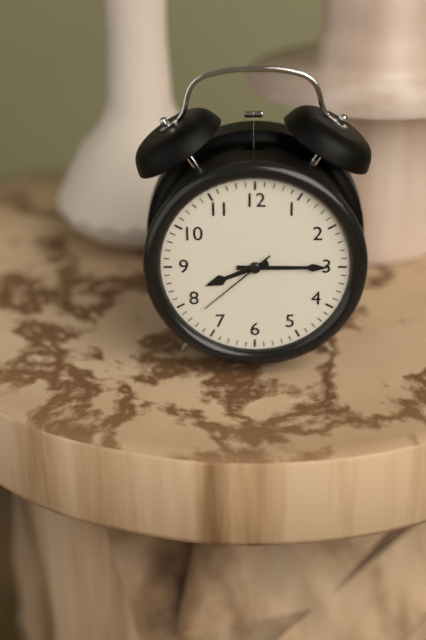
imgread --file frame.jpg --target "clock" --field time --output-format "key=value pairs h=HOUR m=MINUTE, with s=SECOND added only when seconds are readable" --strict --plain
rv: h=8 m=15 s=38
